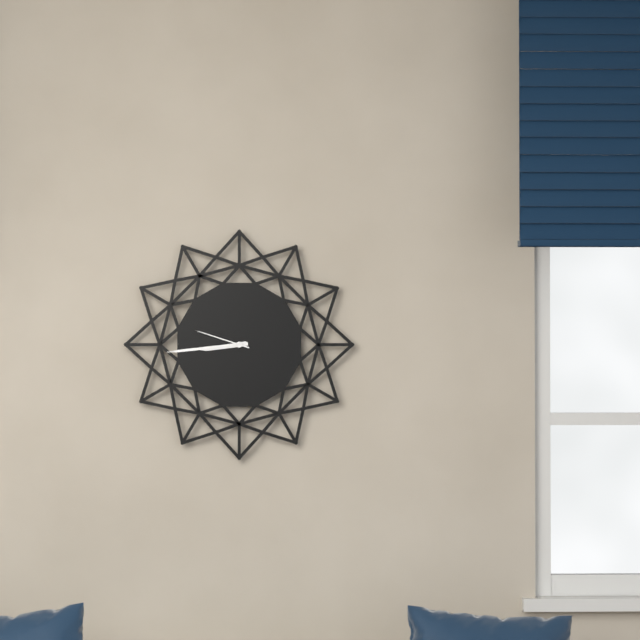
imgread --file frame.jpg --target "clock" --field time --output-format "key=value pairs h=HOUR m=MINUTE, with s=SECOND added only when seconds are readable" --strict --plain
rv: h=8 m=44 s=48
